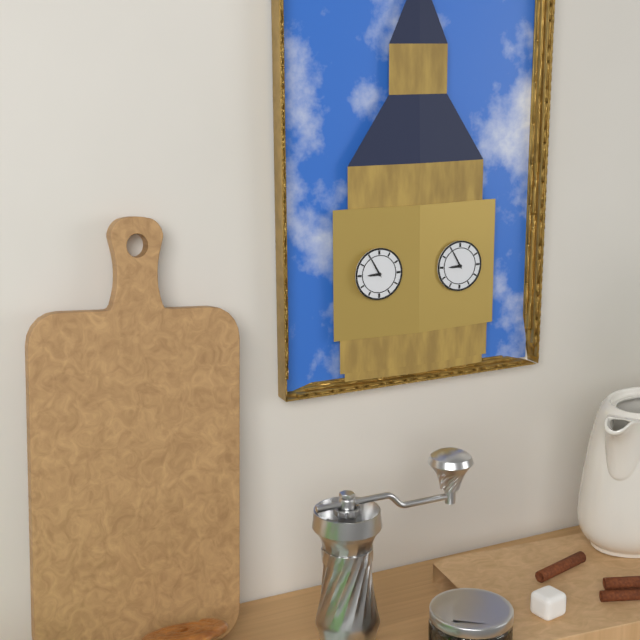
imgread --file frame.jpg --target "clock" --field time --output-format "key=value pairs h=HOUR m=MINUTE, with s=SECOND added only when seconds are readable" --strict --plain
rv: h=8 m=55
